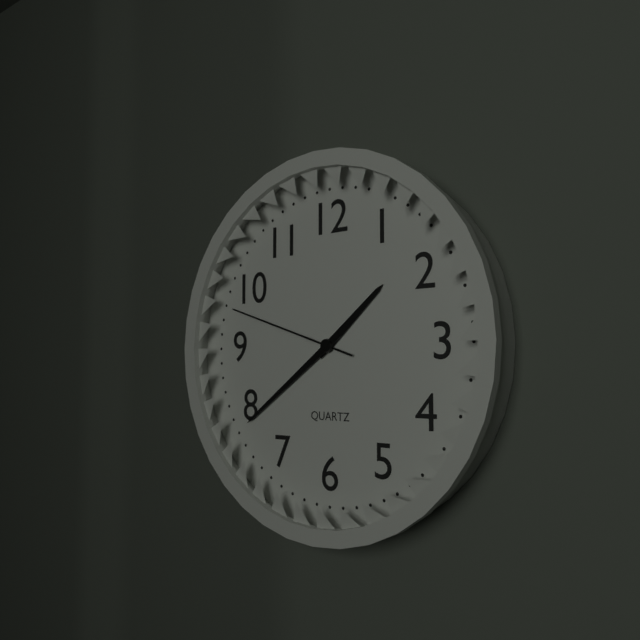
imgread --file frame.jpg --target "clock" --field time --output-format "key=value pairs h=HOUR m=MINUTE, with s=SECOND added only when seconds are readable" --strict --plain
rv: h=1 m=39 s=48
